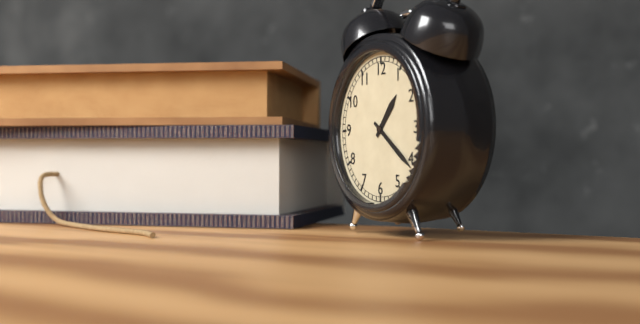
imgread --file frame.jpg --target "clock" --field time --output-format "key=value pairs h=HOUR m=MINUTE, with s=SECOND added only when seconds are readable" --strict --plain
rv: h=1 m=21
